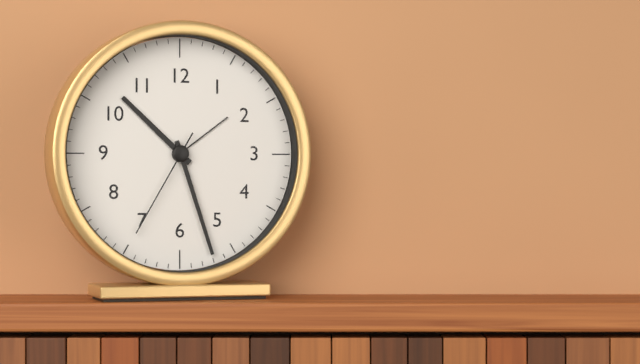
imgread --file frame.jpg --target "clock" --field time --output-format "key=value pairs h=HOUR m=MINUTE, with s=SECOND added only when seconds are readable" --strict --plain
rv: h=10 m=27 s=35
